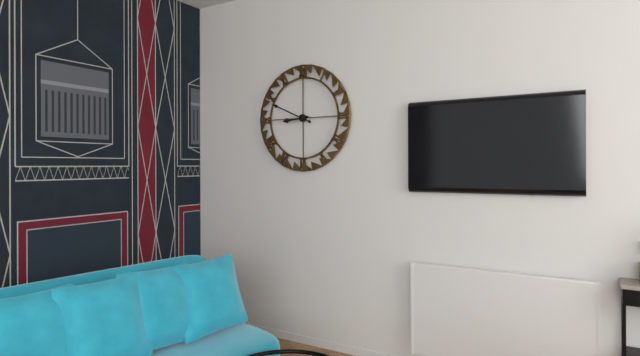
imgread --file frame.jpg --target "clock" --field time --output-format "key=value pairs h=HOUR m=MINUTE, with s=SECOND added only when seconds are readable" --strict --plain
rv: h=8 m=49
